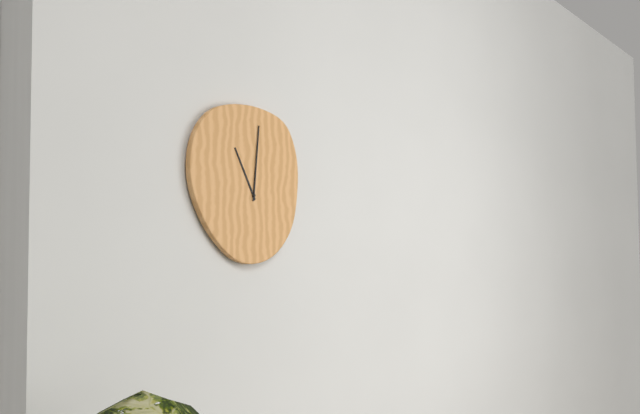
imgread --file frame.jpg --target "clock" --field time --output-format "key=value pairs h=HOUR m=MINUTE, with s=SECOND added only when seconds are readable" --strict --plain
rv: h=11 m=1
